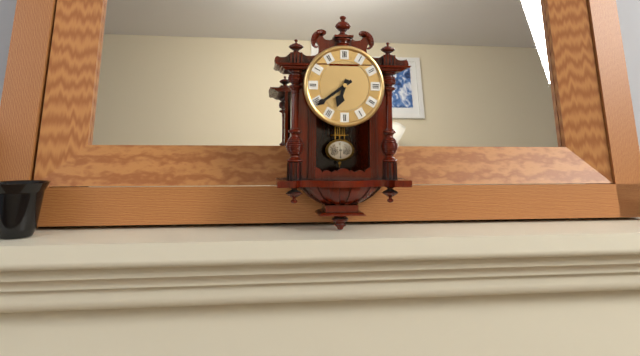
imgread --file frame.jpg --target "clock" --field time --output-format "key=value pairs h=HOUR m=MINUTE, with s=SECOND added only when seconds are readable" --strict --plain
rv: h=6 m=39
